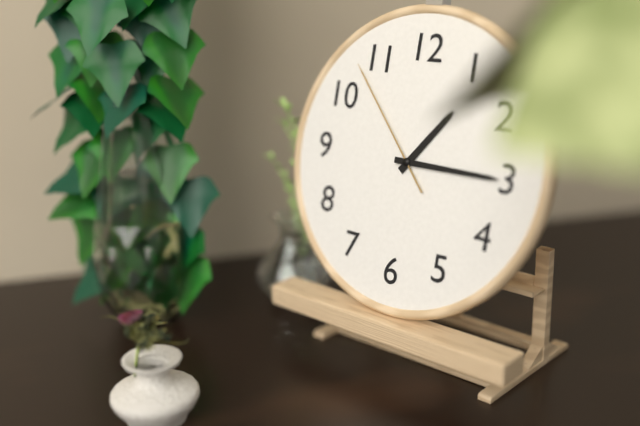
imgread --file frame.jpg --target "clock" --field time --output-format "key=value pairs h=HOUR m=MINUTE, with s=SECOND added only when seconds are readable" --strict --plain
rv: h=1 m=15 s=53
